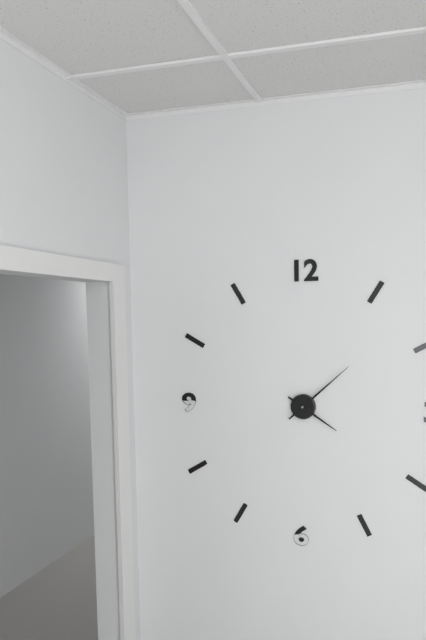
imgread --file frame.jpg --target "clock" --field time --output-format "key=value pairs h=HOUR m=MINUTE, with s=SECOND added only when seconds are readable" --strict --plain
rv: h=4 m=8
